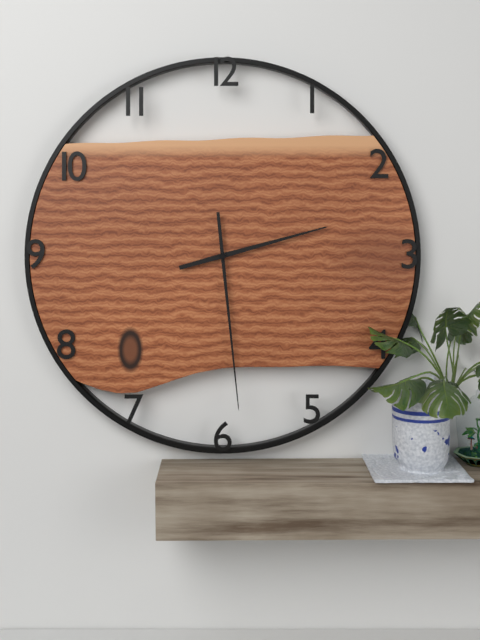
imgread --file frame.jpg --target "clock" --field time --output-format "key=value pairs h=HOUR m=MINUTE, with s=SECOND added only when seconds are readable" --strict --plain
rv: h=2 m=29
